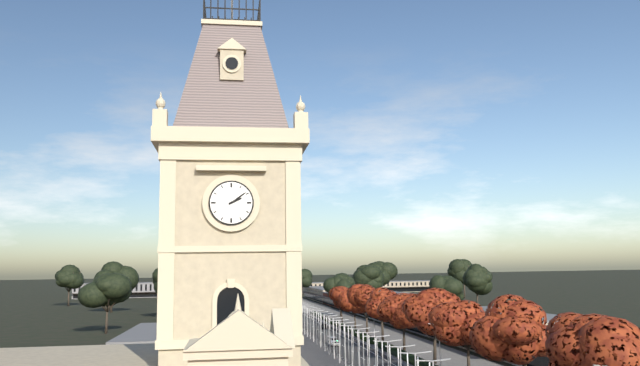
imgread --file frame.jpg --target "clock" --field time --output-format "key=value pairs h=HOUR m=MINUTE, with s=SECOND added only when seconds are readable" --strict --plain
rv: h=2 m=9
